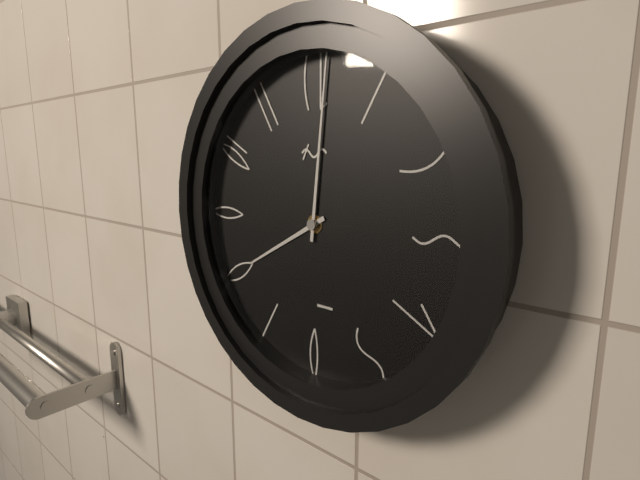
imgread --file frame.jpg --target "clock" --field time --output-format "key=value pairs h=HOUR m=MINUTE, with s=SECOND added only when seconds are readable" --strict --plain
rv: h=8 m=1
